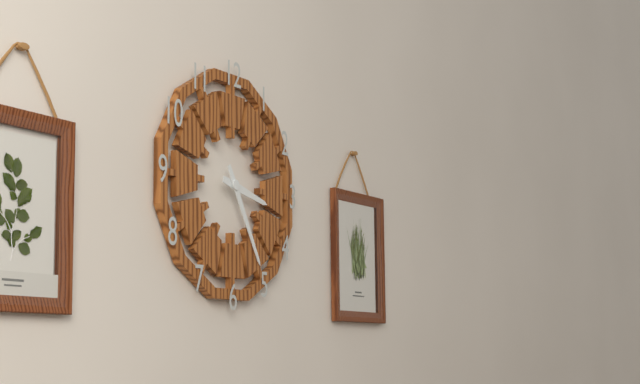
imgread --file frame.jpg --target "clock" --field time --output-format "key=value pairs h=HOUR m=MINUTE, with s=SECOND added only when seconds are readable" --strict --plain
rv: h=3 m=25
